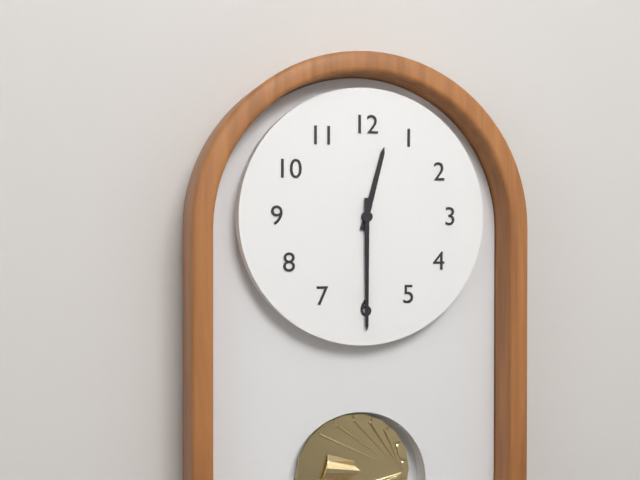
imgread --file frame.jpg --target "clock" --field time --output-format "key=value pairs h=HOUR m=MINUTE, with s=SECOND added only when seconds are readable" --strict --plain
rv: h=12 m=30
